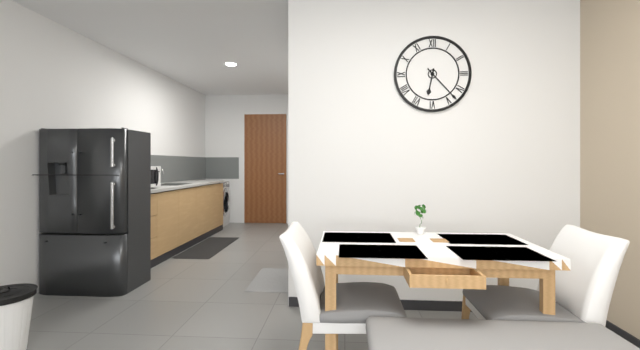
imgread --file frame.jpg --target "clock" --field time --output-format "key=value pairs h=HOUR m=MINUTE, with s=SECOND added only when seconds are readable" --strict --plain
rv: h=6 m=23
